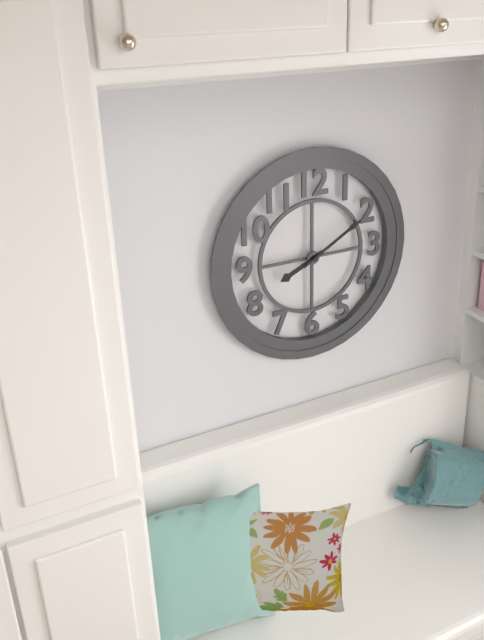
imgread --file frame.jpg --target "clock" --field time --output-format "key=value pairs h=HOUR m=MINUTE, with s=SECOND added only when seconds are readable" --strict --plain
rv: h=8 m=10
